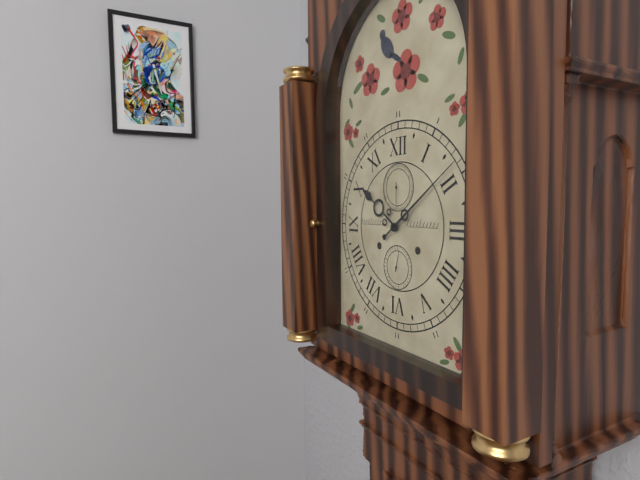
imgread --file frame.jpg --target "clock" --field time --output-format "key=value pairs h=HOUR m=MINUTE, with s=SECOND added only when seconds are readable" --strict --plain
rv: h=10 m=9
